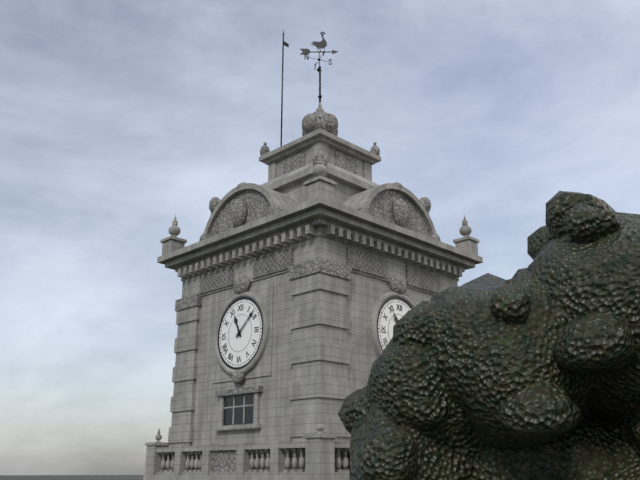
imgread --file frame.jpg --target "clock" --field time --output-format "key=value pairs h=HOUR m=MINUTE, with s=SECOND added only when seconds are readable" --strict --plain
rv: h=11 m=8
